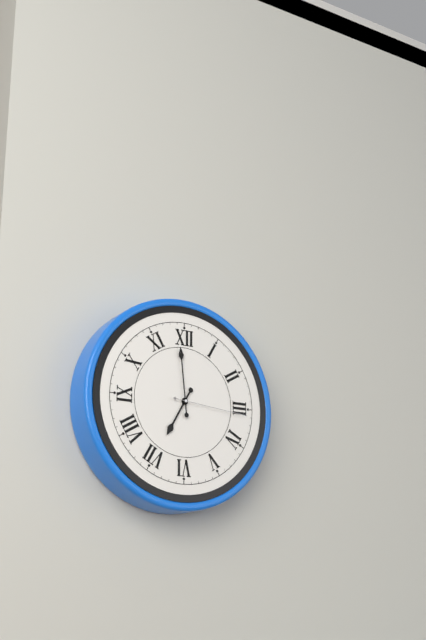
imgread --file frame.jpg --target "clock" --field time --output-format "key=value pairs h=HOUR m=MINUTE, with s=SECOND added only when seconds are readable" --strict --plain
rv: h=6 m=59 s=16
